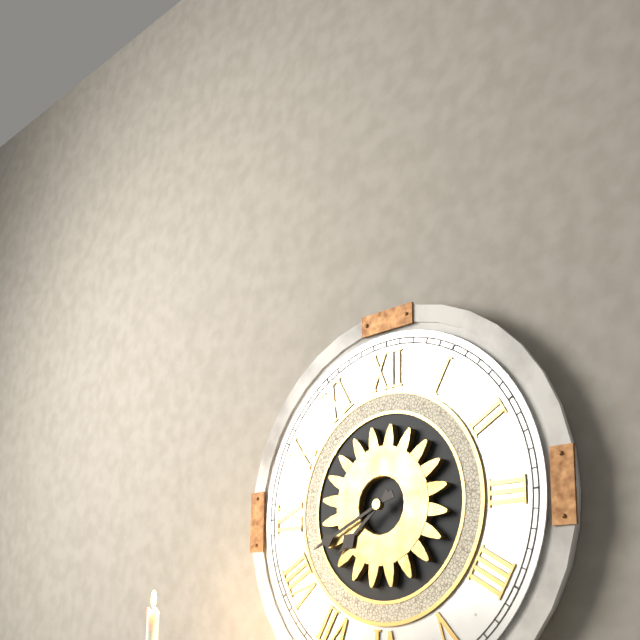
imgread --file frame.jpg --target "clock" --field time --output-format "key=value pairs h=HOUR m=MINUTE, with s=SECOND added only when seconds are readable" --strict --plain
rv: h=7 m=41
